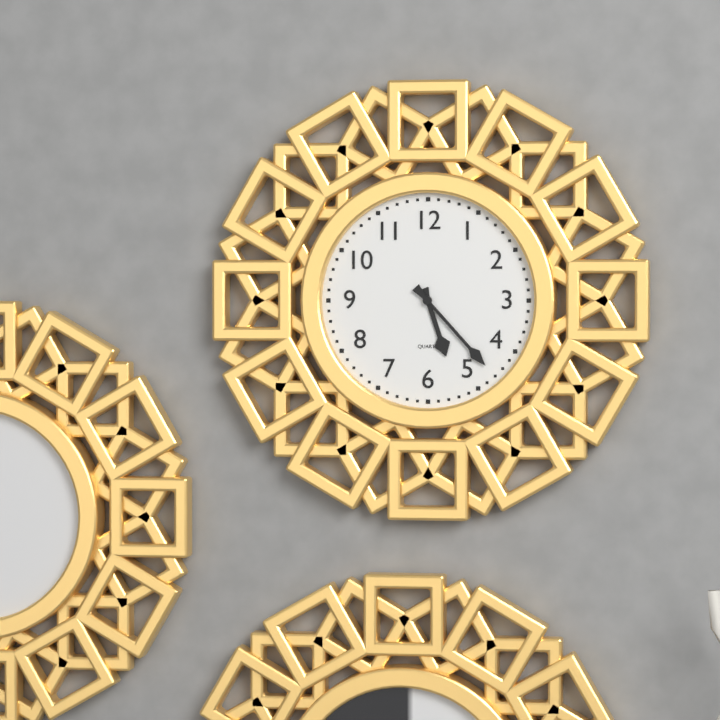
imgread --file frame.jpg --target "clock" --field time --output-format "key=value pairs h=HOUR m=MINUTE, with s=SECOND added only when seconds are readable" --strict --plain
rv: h=5 m=23
